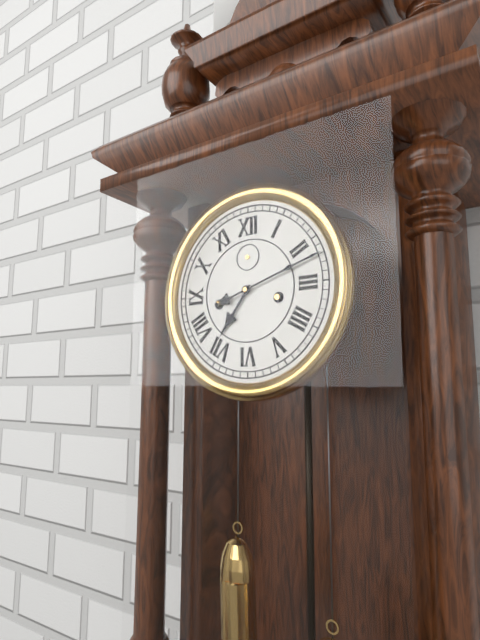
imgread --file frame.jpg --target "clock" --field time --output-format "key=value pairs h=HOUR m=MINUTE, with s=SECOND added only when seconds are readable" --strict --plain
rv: h=7 m=12
